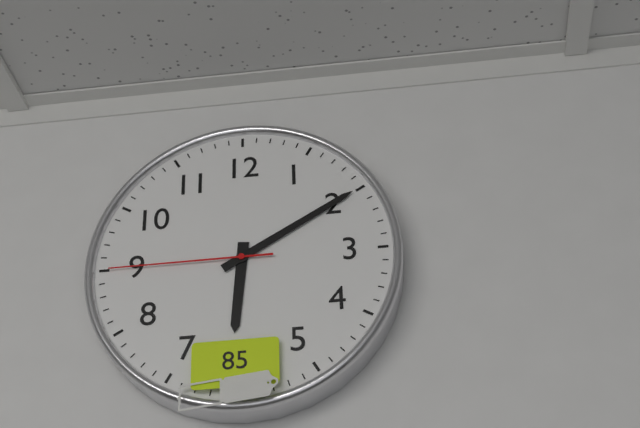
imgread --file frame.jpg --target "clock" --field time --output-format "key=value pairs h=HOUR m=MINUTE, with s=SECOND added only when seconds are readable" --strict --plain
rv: h=6 m=10 s=45
